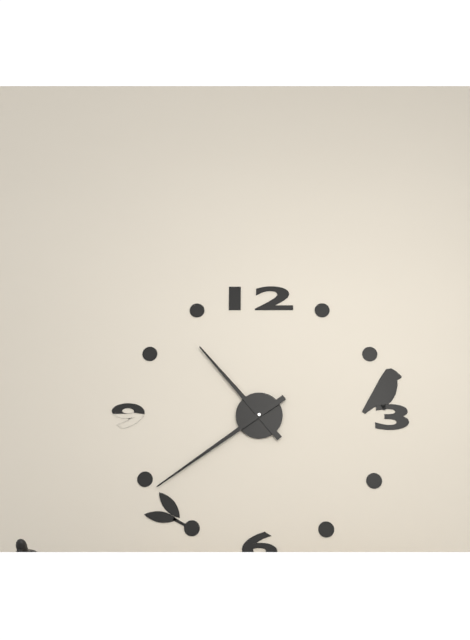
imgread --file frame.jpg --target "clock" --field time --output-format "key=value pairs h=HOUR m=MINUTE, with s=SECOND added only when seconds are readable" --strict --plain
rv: h=10 m=39
